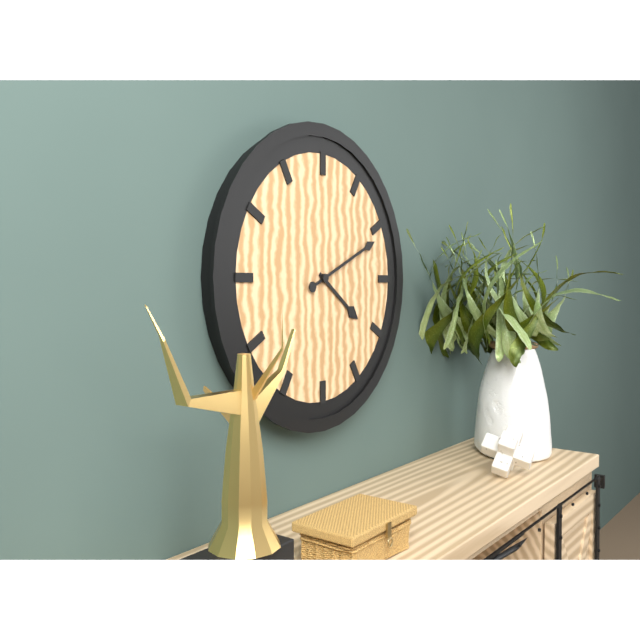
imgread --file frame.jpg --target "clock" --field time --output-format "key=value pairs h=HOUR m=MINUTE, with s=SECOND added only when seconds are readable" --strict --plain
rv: h=4 m=11
